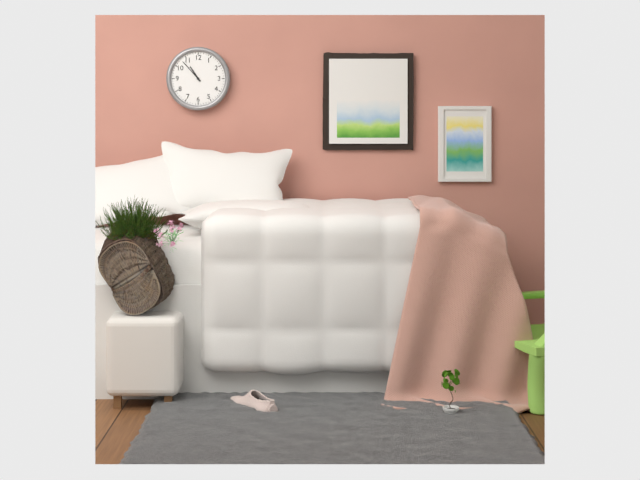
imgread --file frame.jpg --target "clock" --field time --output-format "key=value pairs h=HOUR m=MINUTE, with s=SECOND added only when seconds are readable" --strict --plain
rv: h=10 m=53
